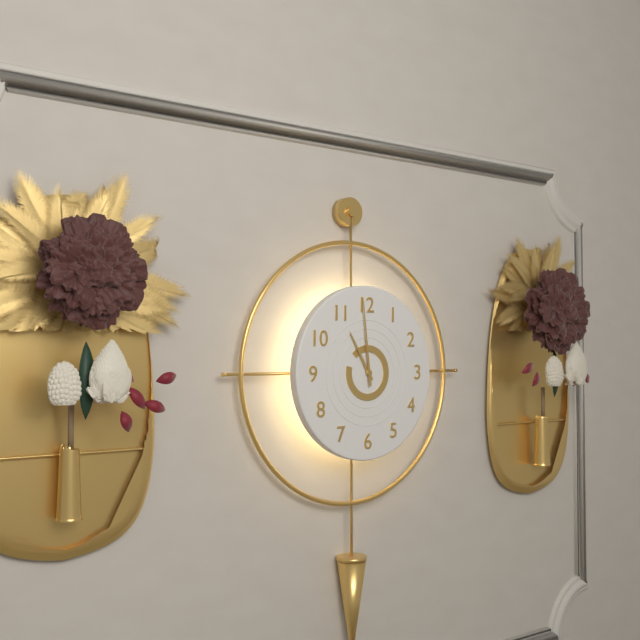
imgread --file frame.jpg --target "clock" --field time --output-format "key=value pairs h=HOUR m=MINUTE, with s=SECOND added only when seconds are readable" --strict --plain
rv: h=10 m=59
